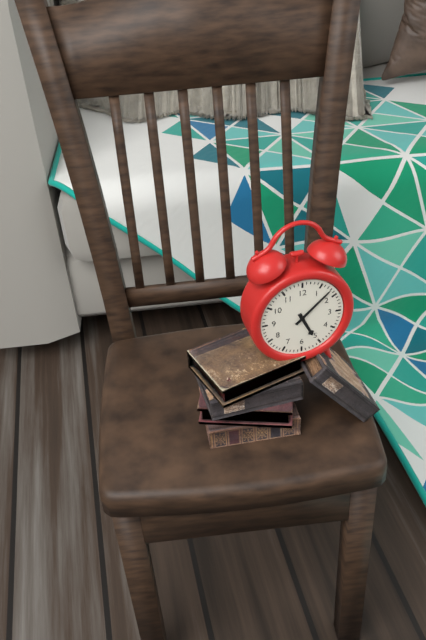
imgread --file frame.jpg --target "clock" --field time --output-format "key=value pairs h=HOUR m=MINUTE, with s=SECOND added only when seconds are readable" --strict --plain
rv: h=5 m=8
